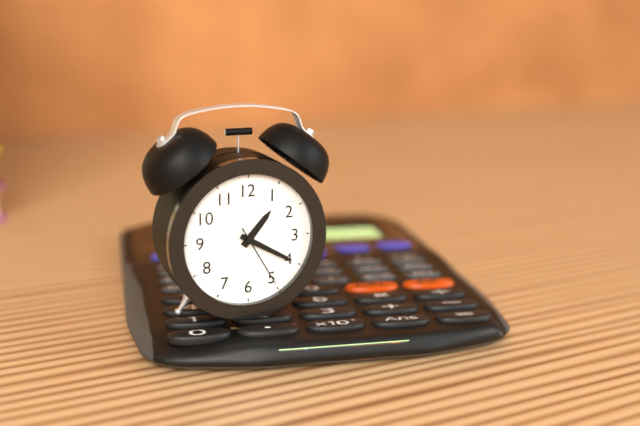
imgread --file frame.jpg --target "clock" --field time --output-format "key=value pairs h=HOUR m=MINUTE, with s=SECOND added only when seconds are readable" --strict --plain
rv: h=1 m=20 s=25
